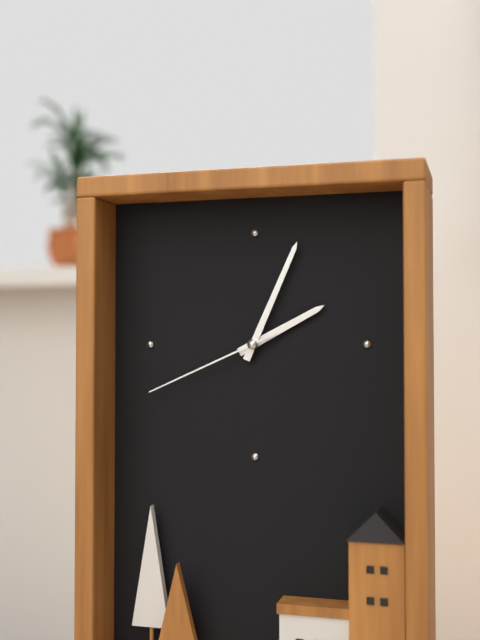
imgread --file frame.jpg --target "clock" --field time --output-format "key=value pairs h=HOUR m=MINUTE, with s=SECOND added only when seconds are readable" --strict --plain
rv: h=2 m=4 s=41
